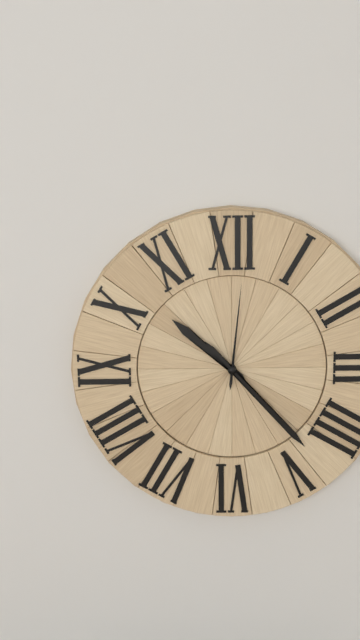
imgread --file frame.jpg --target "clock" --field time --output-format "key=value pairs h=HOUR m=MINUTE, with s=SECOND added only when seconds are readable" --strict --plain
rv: h=10 m=23 s=1
